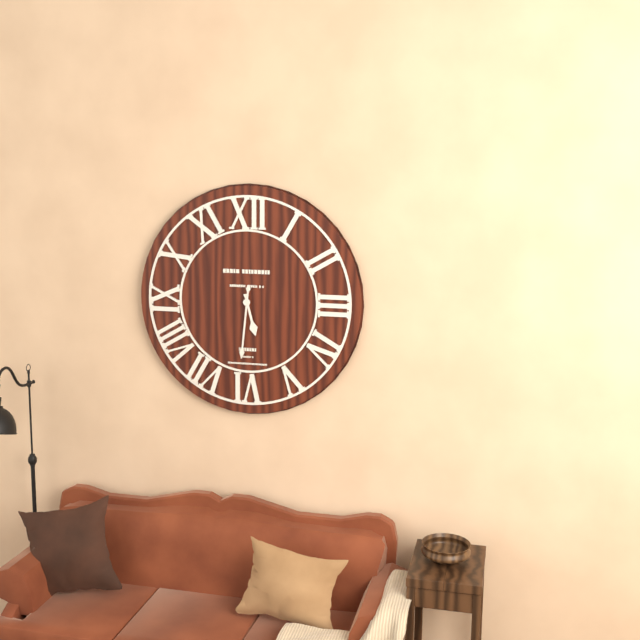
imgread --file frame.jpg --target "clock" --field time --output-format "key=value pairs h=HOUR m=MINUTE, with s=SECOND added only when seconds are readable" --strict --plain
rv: h=5 m=31
